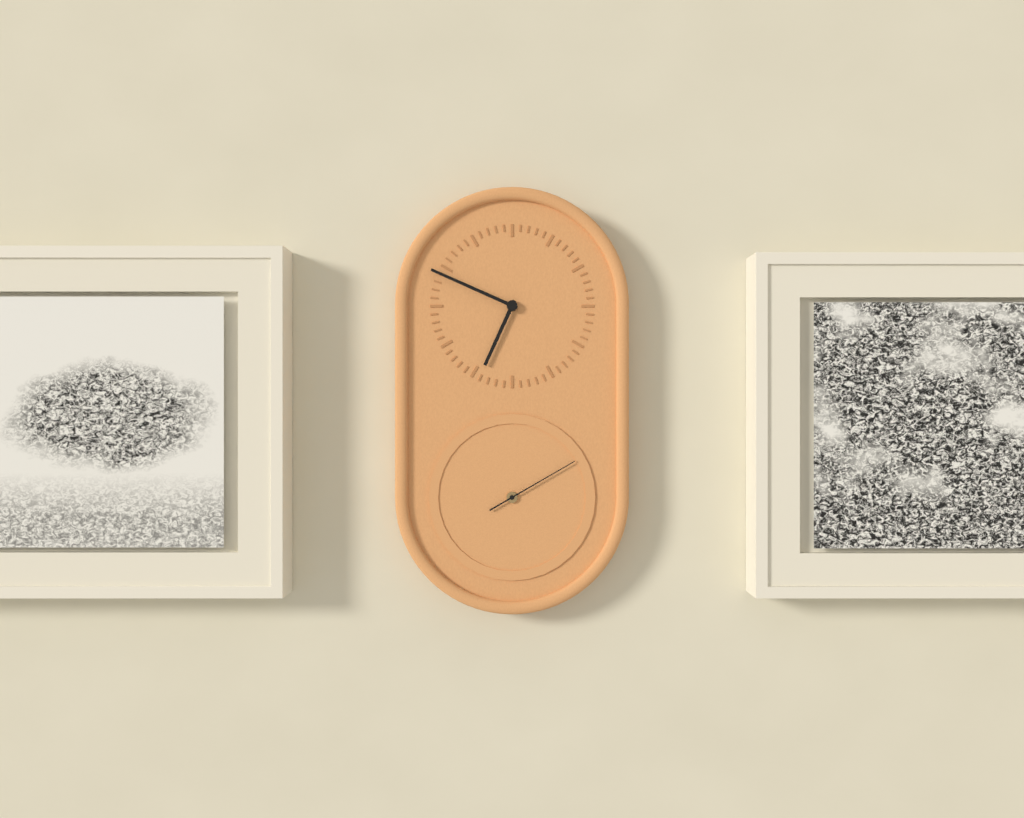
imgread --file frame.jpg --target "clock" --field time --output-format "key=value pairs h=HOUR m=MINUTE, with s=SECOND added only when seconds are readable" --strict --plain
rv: h=6 m=49 s=10
